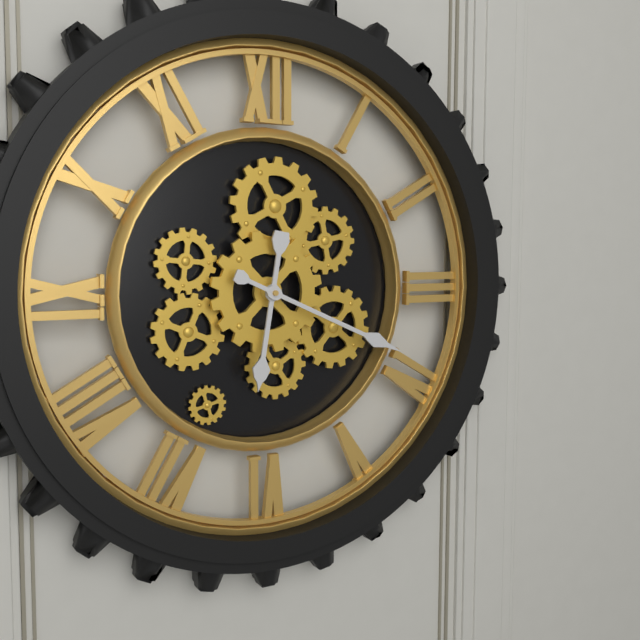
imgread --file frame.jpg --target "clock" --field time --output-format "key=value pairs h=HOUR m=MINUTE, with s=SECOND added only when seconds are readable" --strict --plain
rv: h=6 m=19
